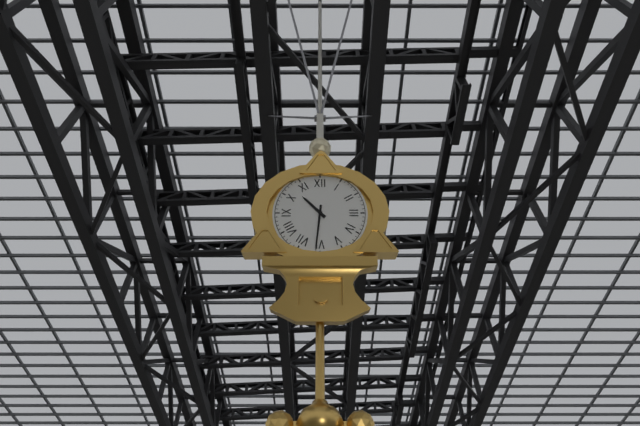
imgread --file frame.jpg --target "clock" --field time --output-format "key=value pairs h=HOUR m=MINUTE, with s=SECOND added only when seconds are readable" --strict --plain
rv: h=10 m=31
